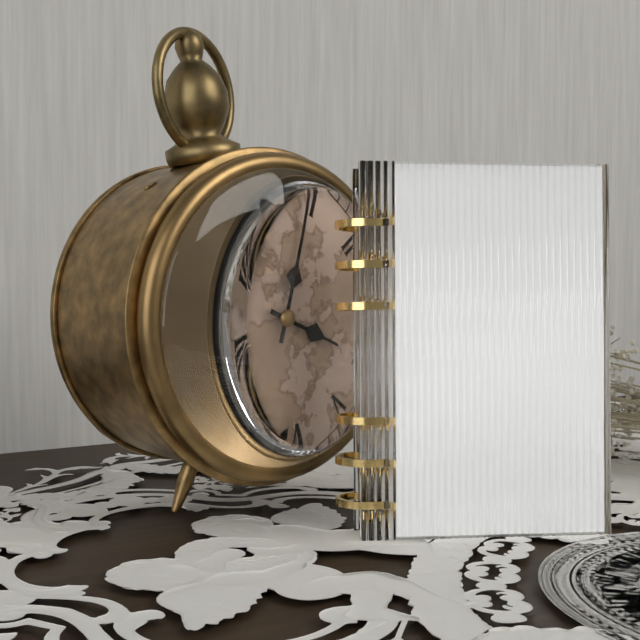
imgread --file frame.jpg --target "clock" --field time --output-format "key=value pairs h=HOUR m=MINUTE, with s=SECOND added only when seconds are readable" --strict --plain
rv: h=4 m=4
